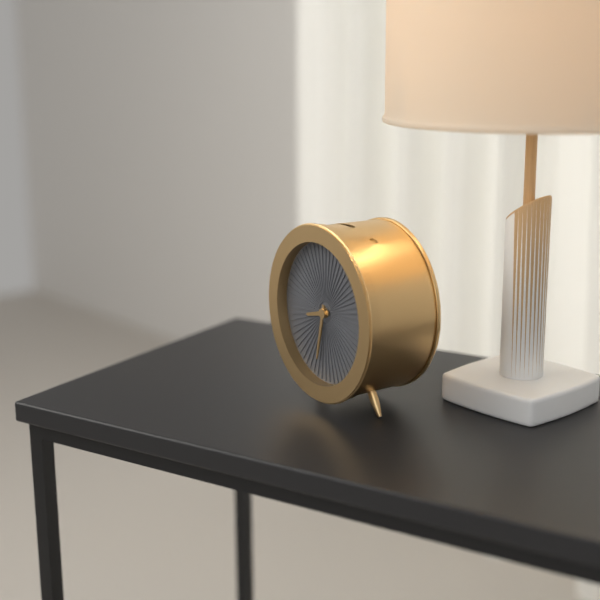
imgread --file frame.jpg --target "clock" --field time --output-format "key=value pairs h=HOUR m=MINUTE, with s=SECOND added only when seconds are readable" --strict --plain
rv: h=8 m=32
